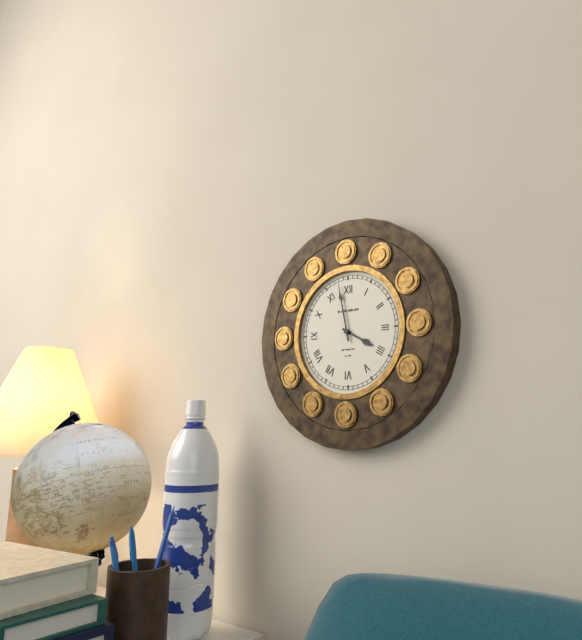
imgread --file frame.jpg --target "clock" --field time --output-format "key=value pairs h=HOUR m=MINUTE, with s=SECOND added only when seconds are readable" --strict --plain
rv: h=3 m=58
